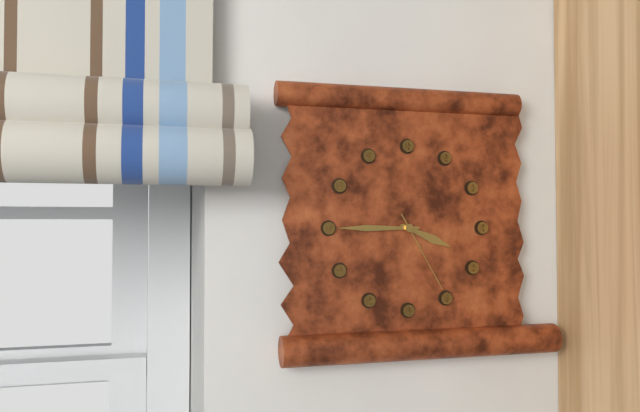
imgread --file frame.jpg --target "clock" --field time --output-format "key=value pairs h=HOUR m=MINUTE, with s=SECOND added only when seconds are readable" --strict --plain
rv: h=3 m=45 s=25
